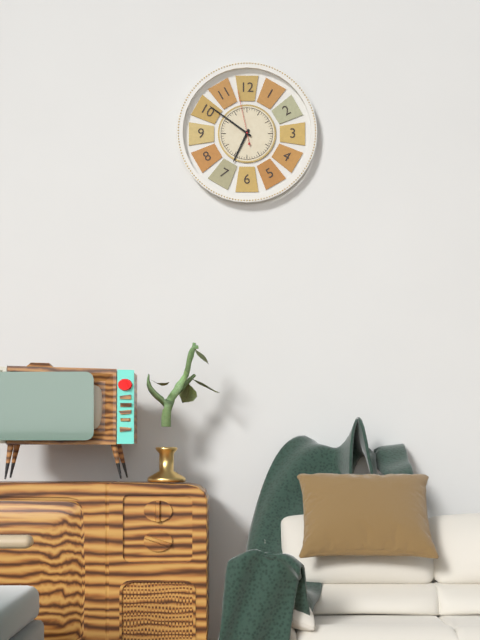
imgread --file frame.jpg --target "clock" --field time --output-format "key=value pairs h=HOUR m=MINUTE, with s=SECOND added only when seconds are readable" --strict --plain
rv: h=6 m=51 s=58
